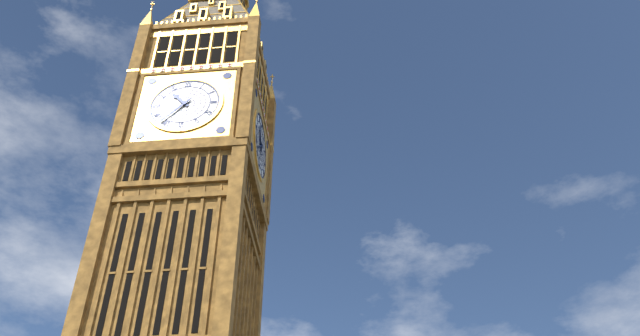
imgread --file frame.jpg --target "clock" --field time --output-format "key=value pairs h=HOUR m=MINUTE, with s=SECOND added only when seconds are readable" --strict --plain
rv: h=10 m=37
